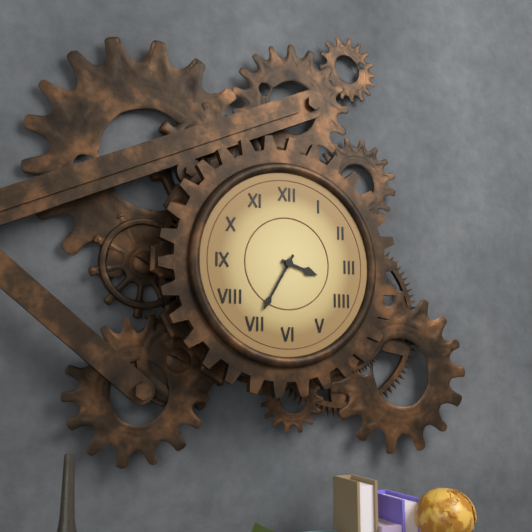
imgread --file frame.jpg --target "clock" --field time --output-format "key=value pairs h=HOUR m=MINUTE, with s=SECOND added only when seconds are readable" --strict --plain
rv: h=3 m=35
